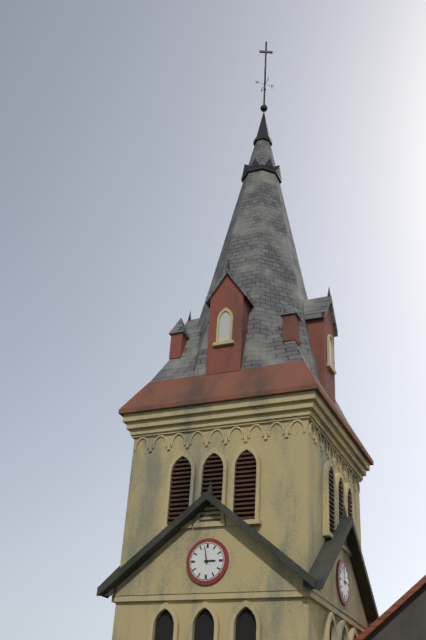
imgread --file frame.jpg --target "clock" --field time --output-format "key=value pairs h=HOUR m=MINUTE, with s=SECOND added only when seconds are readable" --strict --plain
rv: h=2 m=58
